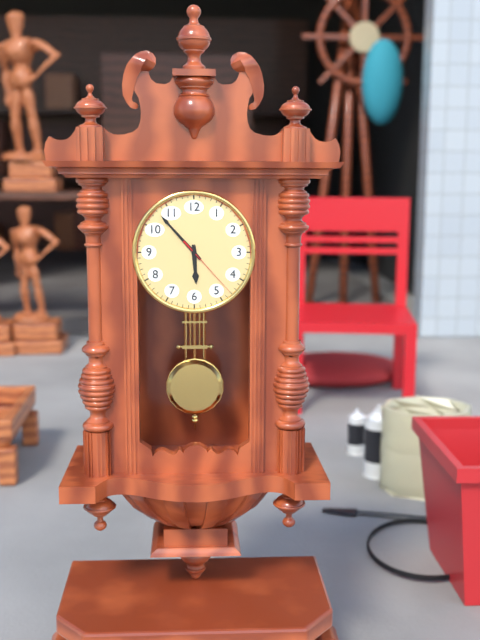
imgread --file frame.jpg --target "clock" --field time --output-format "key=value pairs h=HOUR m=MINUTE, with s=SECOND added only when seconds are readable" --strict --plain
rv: h=5 m=53 s=23
